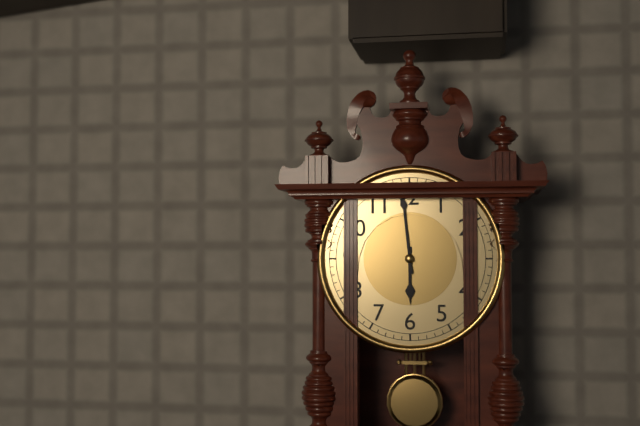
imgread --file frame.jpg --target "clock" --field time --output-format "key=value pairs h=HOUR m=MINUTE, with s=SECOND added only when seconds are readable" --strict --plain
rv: h=5 m=59
